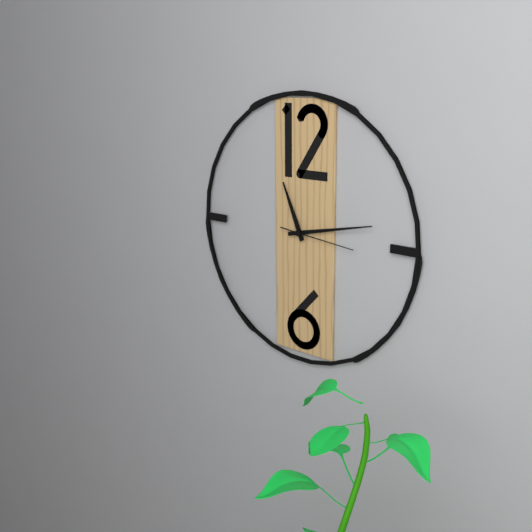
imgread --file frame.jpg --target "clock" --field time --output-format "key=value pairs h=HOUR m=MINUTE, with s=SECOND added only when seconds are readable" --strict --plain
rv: h=11 m=13 s=16
